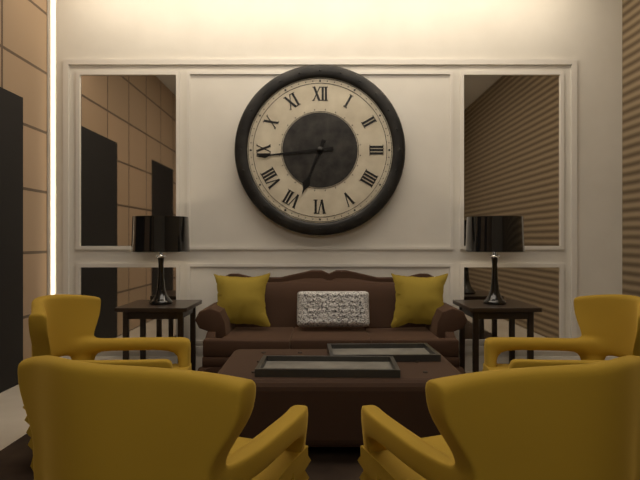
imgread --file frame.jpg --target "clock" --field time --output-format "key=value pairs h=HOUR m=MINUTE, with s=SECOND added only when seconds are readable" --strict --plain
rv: h=6 m=44
